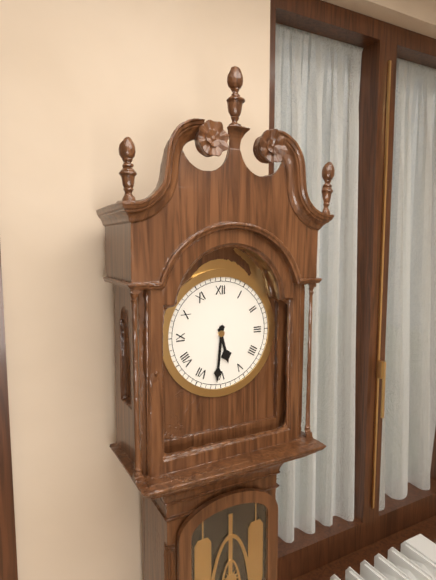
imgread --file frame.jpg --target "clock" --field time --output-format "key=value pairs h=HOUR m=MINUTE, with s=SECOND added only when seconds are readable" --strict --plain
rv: h=5 m=31
